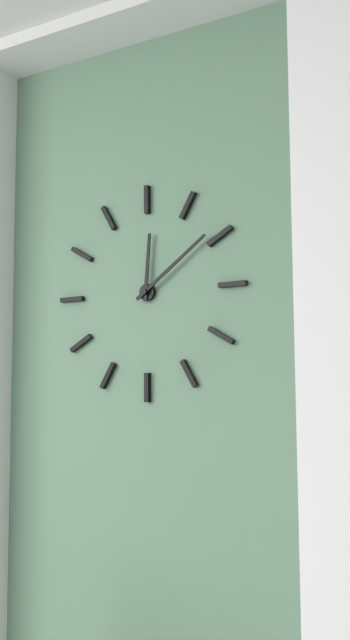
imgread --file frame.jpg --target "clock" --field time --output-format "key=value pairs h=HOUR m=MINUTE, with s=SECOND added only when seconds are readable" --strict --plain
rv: h=12 m=9
